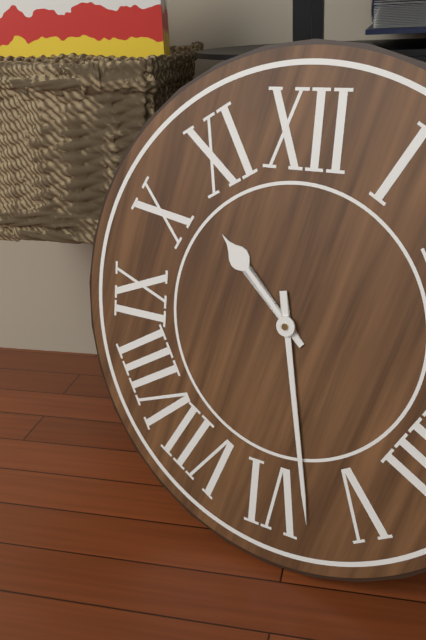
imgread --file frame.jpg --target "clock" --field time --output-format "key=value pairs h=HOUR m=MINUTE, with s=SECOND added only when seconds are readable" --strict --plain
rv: h=10 m=28
